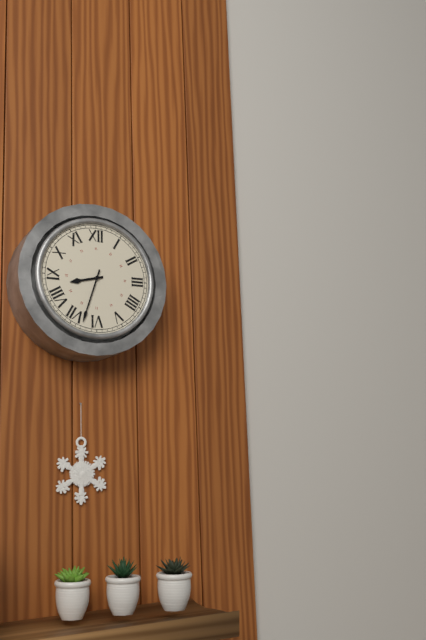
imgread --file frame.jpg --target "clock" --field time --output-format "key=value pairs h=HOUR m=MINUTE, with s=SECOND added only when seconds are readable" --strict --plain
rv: h=8 m=33
